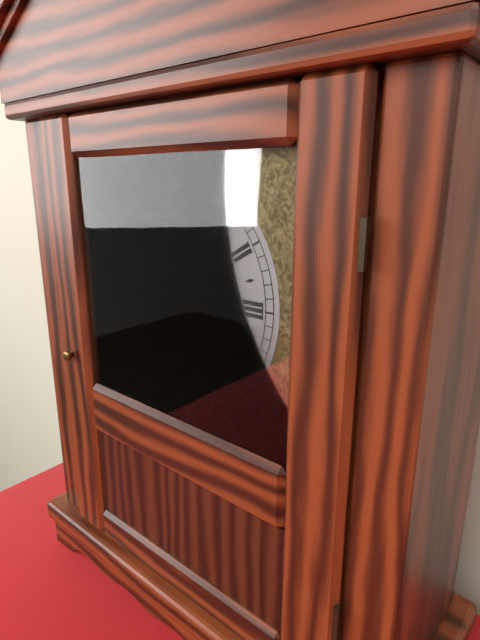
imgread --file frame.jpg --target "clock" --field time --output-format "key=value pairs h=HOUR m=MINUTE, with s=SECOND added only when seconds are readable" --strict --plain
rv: h=8 m=23
